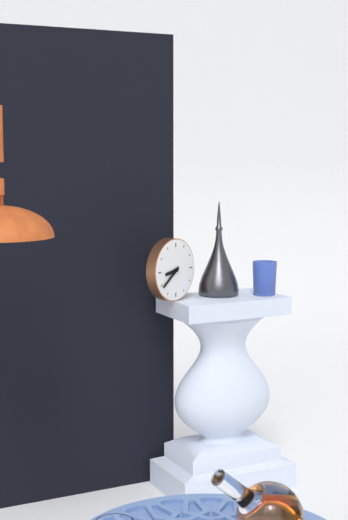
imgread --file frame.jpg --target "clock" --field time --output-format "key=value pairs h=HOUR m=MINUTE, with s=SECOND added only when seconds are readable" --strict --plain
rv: h=8 m=39
